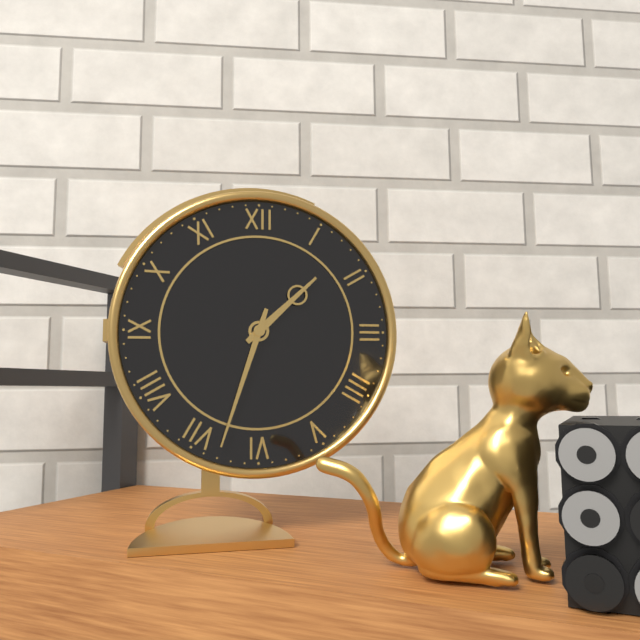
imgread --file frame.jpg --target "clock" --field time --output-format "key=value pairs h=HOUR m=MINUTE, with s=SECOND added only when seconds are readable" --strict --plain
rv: h=1 m=33
